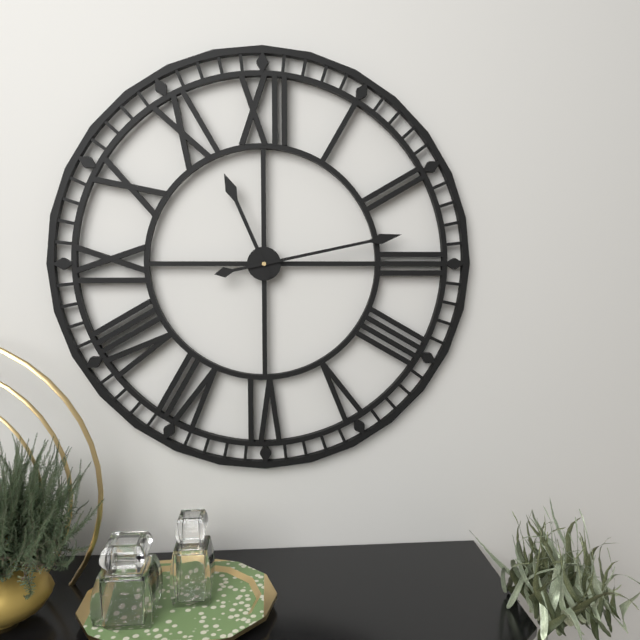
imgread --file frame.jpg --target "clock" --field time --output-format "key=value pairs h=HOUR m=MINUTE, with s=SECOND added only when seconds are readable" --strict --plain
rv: h=11 m=13
